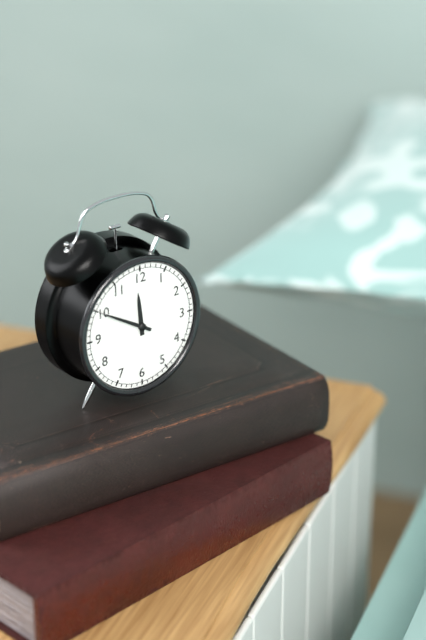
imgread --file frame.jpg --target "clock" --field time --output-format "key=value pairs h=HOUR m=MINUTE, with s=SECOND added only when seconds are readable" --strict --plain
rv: h=11 m=50
